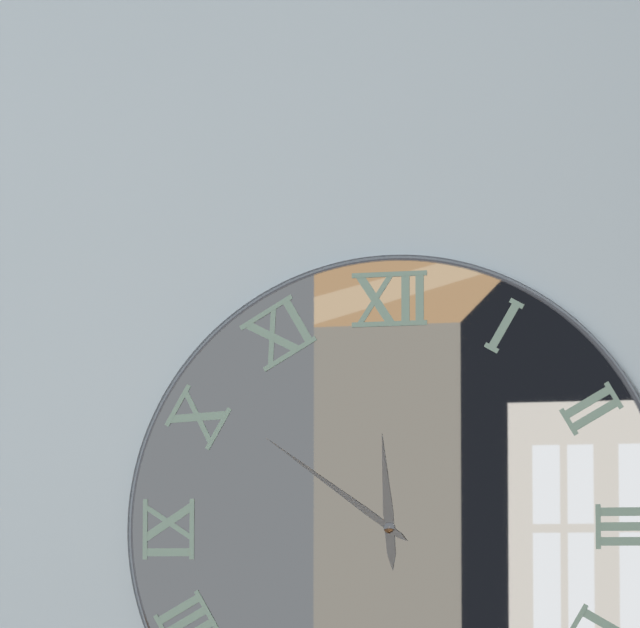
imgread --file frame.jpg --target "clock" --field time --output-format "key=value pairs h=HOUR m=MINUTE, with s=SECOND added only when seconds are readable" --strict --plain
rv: h=11 m=51
